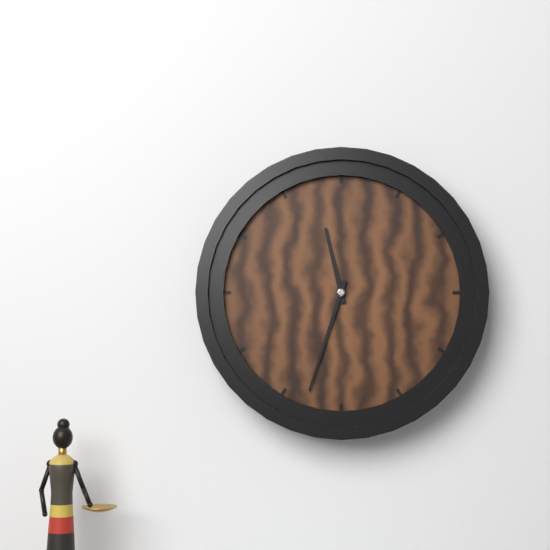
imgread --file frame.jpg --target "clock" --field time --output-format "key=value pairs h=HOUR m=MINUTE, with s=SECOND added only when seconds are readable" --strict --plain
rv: h=11 m=33
